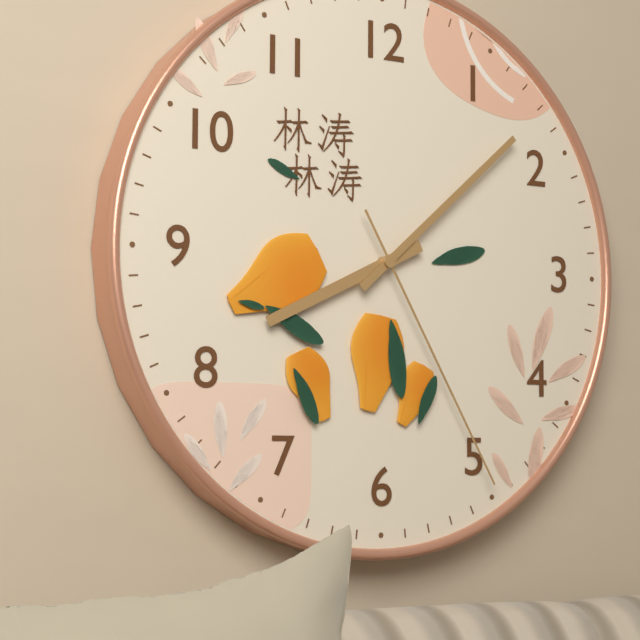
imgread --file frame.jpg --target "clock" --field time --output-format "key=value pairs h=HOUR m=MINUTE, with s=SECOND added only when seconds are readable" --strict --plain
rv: h=8 m=8 s=25
